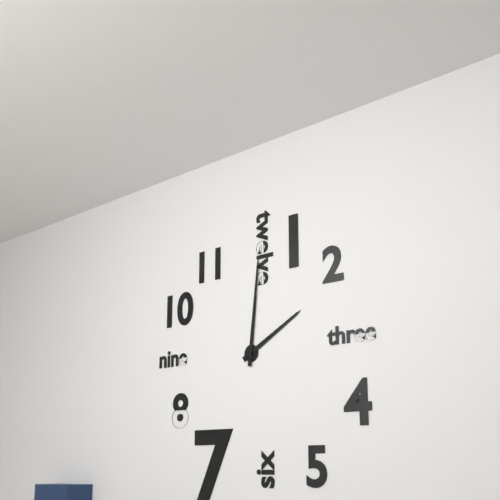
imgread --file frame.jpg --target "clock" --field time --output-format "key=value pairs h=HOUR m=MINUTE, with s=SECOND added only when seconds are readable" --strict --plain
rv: h=2 m=1
